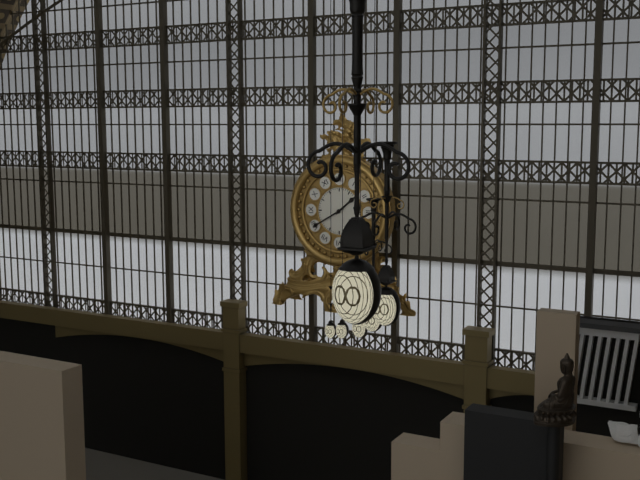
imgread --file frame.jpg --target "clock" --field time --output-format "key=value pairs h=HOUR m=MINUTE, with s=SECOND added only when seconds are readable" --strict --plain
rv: h=1 m=40
